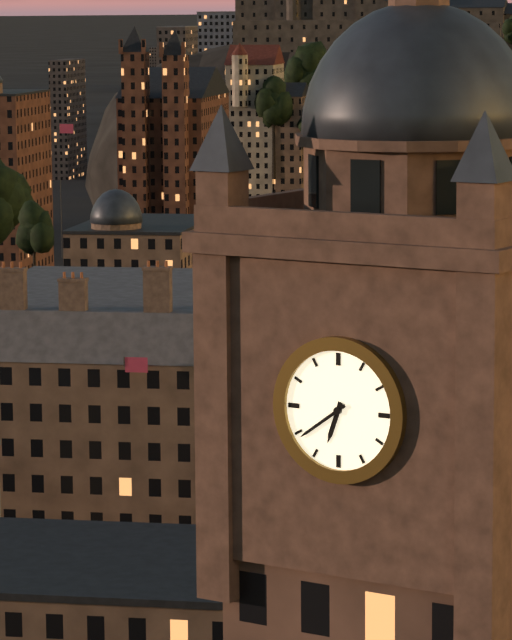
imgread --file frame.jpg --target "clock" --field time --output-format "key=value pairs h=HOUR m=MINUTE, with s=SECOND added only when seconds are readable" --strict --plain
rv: h=6 m=39
